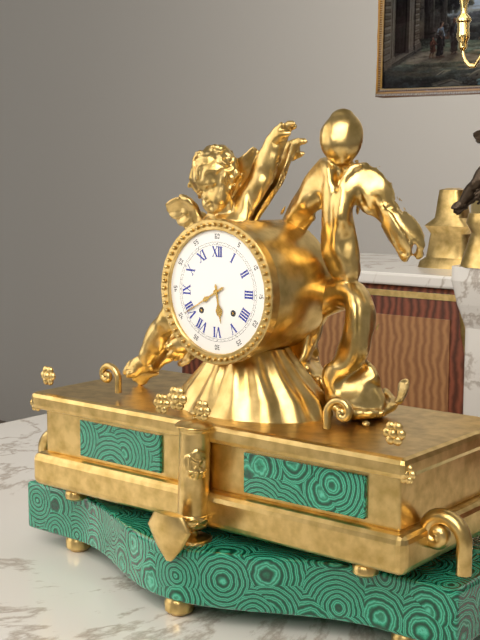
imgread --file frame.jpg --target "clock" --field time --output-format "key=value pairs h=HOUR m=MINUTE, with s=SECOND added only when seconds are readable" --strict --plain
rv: h=5 m=40
